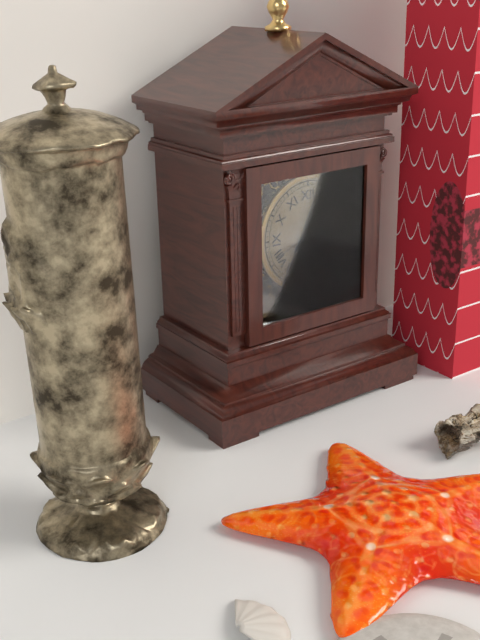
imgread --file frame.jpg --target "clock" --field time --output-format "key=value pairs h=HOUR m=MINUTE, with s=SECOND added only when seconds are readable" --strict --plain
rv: h=7 m=29 s=41
